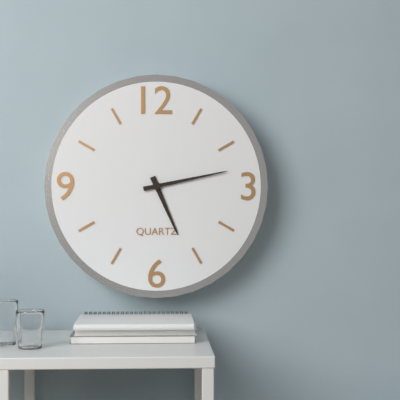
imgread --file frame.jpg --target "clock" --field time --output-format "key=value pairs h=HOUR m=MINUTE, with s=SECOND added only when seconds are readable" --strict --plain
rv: h=5 m=13
